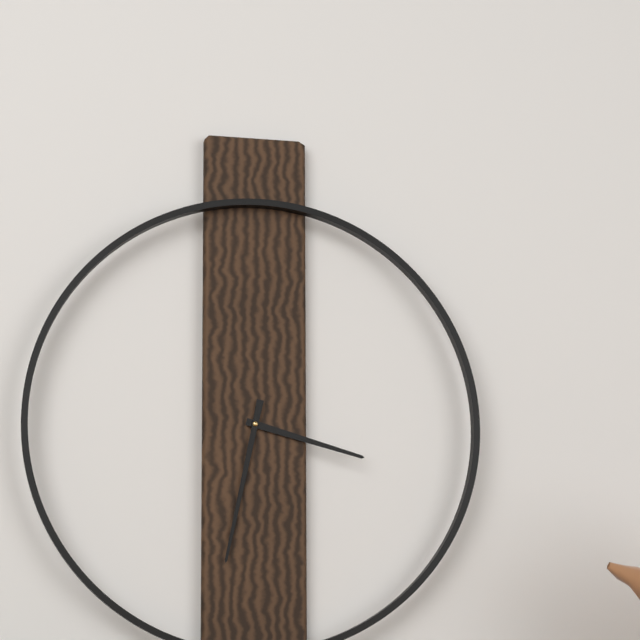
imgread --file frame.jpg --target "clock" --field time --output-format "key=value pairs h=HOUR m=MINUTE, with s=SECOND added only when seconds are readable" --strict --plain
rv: h=3 m=32
